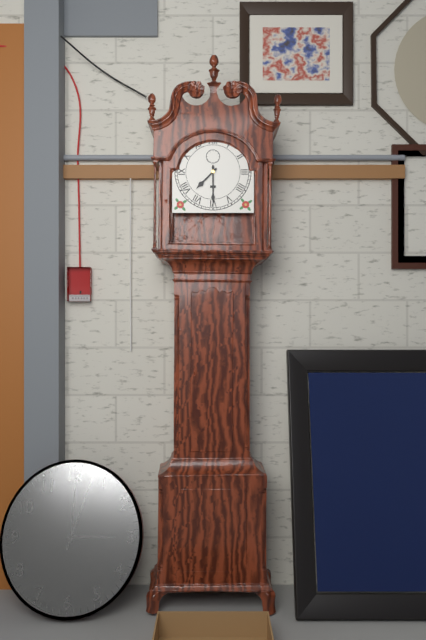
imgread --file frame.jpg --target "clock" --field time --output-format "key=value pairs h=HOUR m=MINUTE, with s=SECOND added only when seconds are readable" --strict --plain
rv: h=7 m=30
